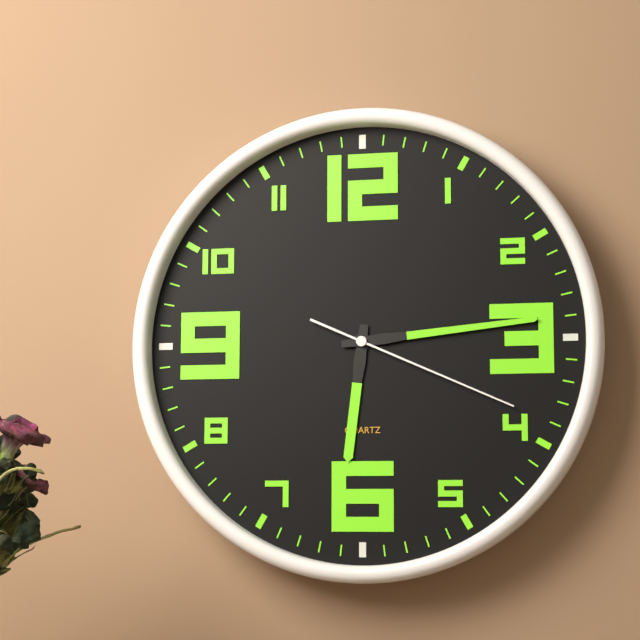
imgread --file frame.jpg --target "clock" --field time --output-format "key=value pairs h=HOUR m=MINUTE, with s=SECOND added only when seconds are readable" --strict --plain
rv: h=6 m=14 s=19
